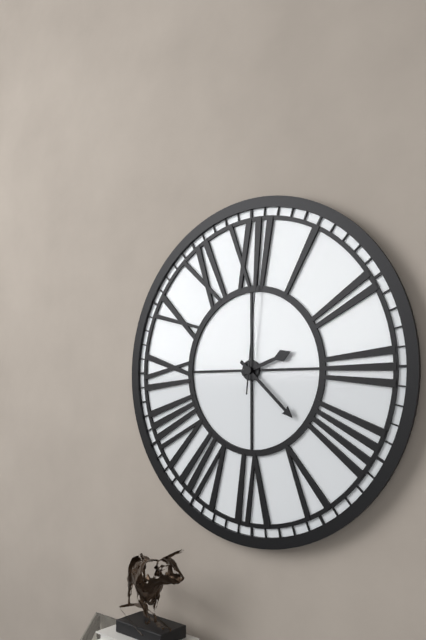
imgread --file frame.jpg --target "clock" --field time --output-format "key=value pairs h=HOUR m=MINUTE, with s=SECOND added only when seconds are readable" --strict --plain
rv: h=2 m=22 s=1
